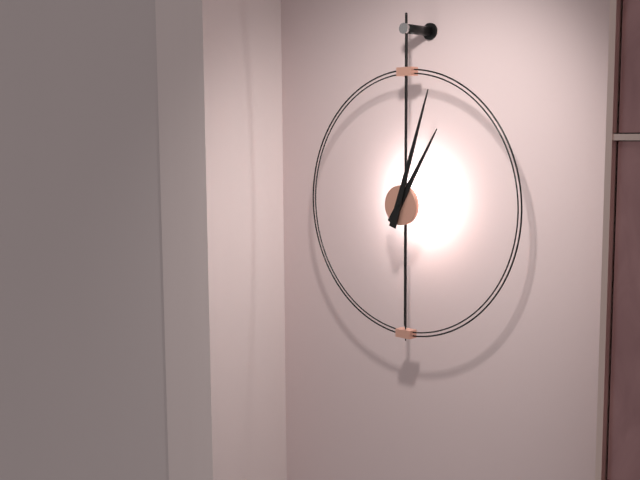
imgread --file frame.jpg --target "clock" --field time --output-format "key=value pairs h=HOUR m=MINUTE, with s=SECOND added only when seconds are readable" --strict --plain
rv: h=1 m=3
